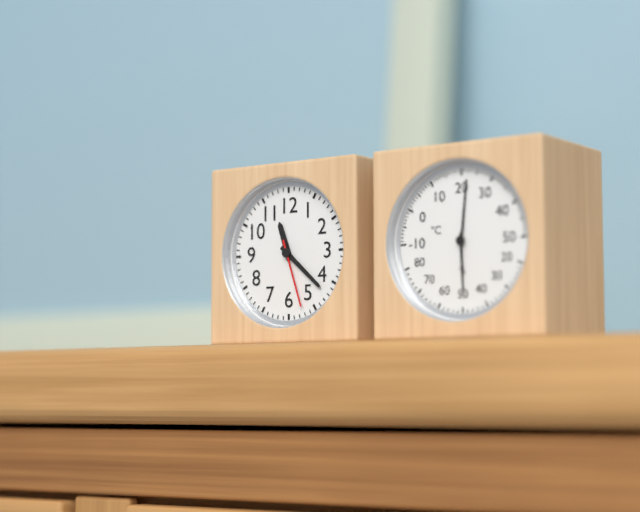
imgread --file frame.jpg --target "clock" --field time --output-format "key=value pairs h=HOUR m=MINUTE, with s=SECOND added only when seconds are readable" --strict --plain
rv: h=11 m=22 s=27
